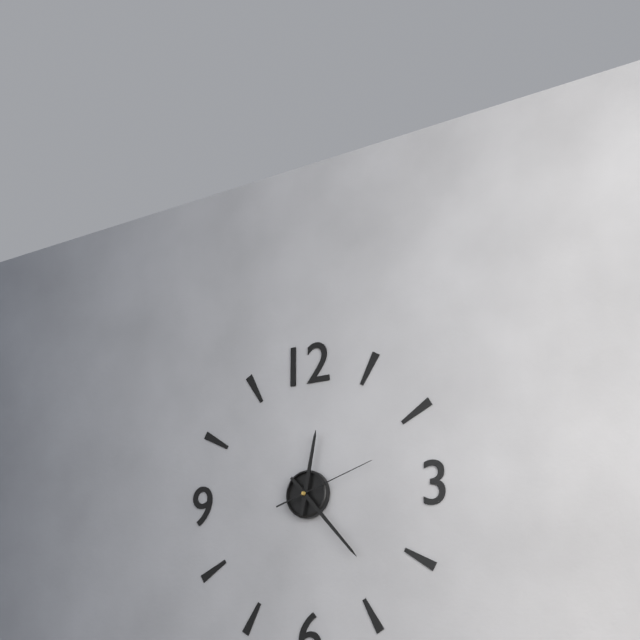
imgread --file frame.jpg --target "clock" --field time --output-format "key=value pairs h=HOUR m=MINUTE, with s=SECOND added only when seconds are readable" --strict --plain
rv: h=12 m=23 s=12
